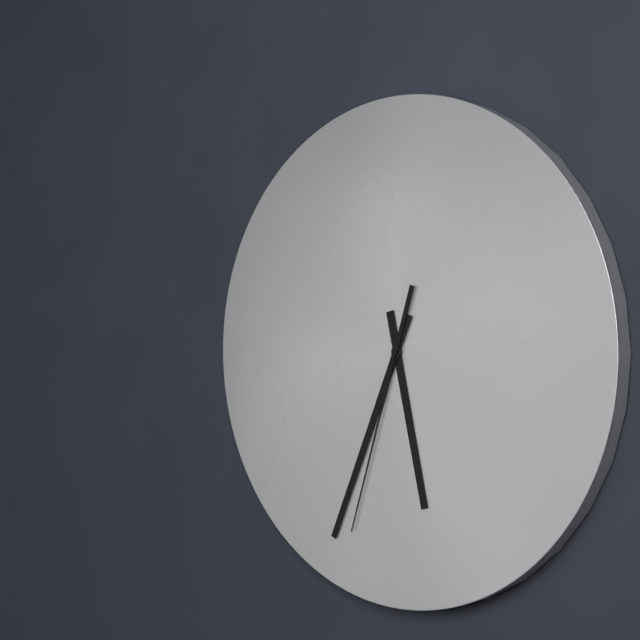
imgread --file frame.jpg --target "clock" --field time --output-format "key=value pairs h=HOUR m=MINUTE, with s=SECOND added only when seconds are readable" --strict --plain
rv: h=5 m=34 s=33
